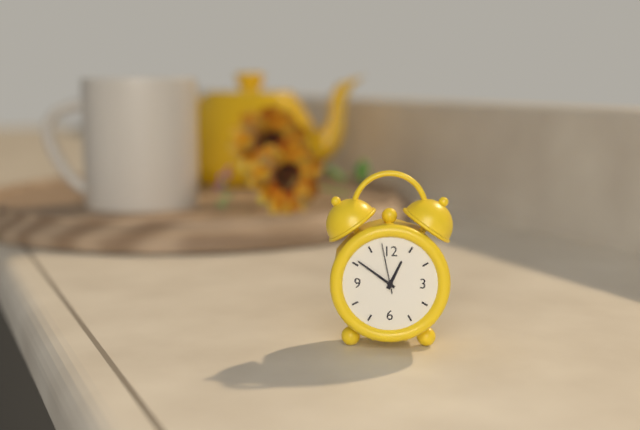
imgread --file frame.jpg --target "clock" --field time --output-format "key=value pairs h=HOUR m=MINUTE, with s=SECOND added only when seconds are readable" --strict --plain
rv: h=12 m=51 s=58
